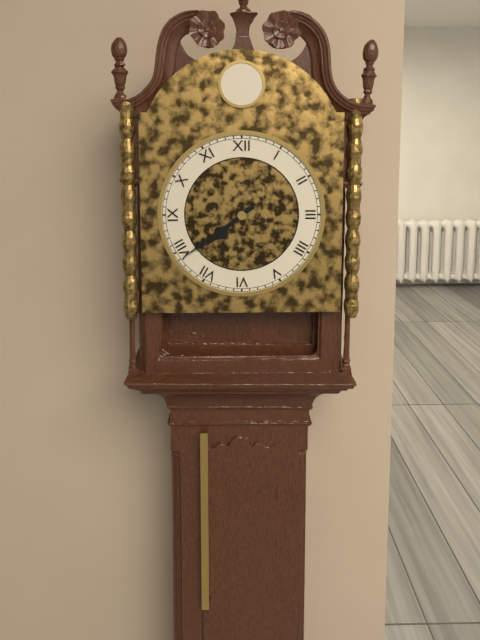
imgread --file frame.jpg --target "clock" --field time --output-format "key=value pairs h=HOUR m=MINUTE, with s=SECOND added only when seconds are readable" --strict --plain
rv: h=7 m=39
